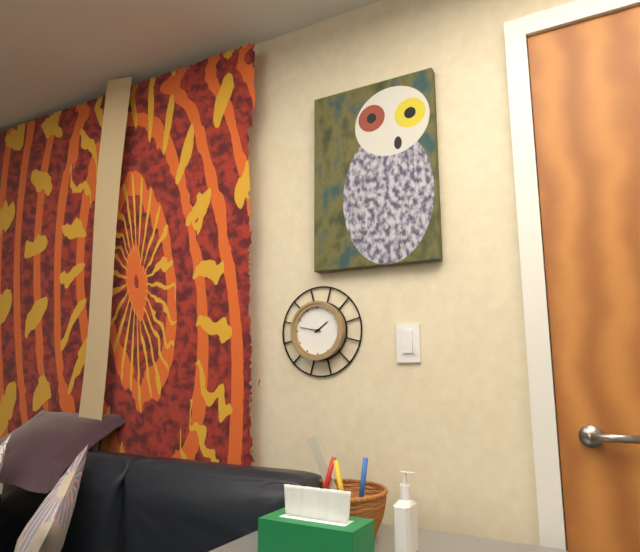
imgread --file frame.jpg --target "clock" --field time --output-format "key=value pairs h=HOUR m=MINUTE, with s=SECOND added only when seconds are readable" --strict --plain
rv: h=1 m=47
